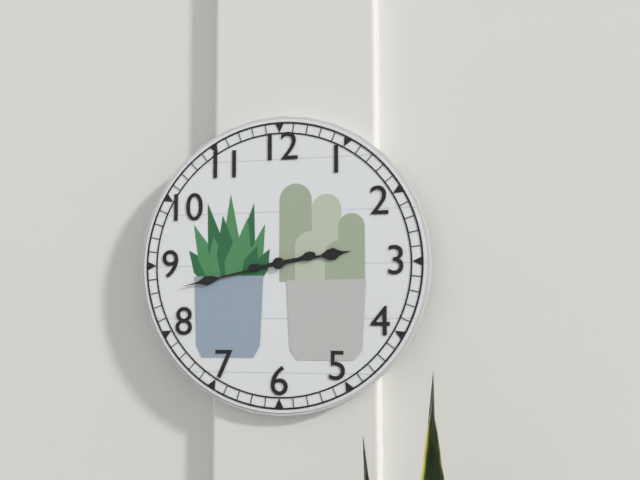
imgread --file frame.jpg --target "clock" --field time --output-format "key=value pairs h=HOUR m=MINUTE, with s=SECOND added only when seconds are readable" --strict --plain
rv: h=2 m=43
